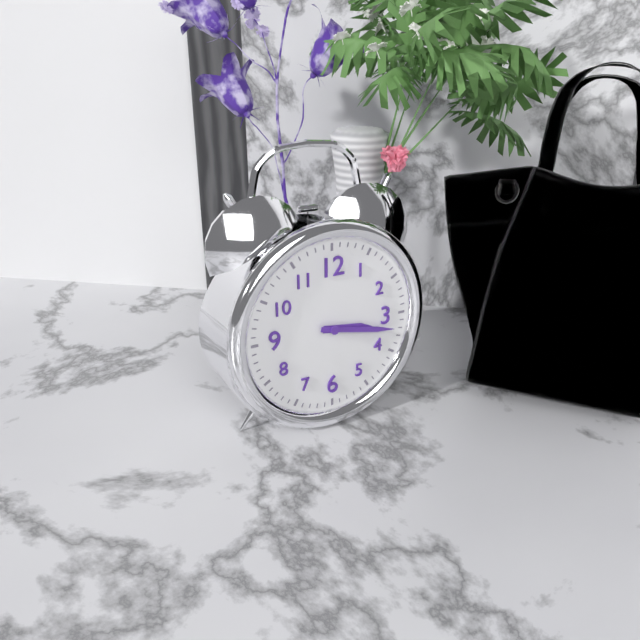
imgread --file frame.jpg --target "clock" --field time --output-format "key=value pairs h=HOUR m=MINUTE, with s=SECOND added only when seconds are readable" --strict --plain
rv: h=3 m=17
